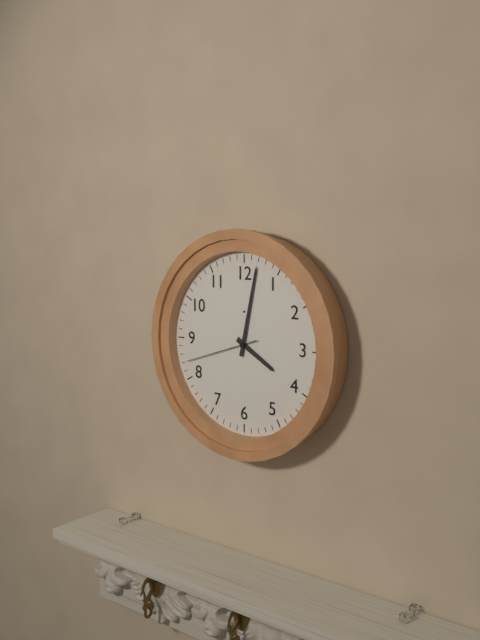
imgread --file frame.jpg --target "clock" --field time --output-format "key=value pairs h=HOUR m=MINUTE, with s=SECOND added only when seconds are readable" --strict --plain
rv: h=4 m=2 s=42
